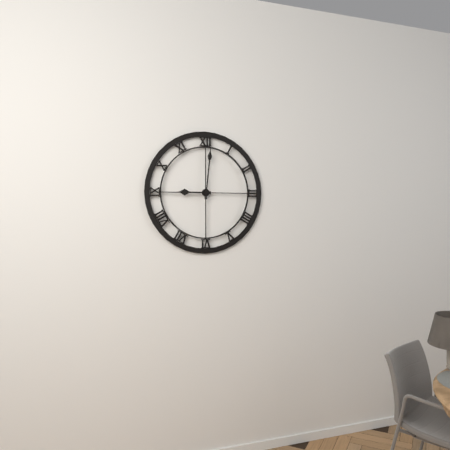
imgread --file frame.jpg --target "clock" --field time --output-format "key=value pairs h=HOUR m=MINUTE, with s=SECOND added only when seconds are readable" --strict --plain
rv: h=9 m=1
